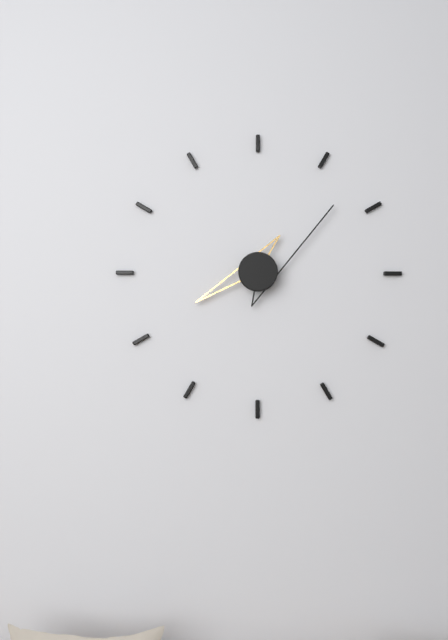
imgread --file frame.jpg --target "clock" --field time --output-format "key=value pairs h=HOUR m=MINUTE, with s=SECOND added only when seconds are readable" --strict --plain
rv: h=8 m=8
